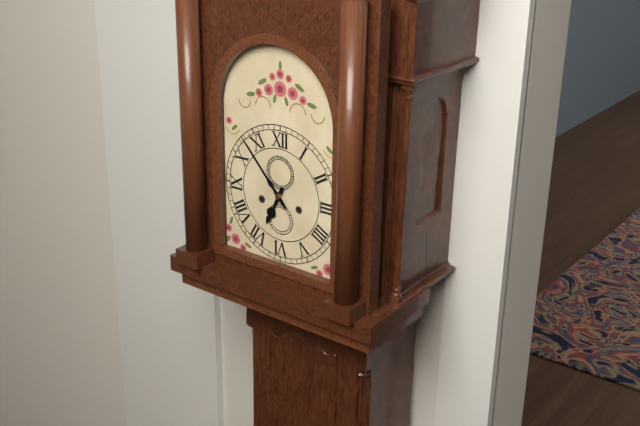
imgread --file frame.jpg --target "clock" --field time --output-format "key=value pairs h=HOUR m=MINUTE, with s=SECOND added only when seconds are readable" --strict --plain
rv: h=6 m=53
